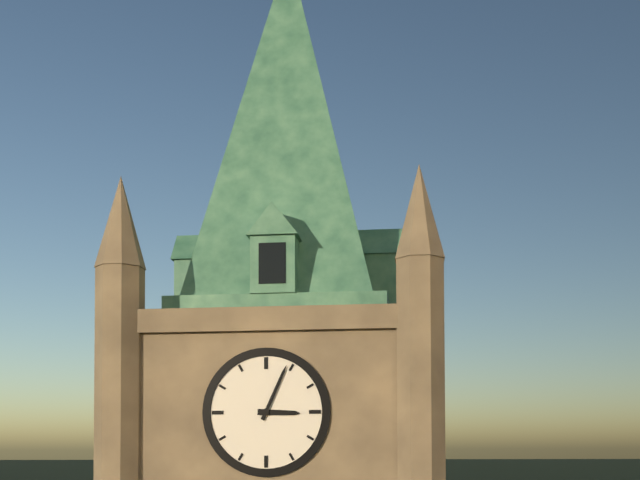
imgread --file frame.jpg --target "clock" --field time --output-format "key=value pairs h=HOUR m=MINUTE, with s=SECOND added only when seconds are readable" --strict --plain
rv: h=3 m=4
